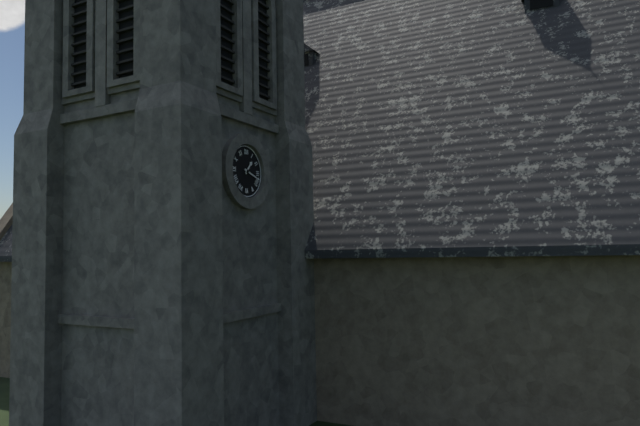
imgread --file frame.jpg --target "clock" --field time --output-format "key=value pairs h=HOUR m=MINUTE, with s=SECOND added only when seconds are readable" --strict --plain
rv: h=1 m=18
